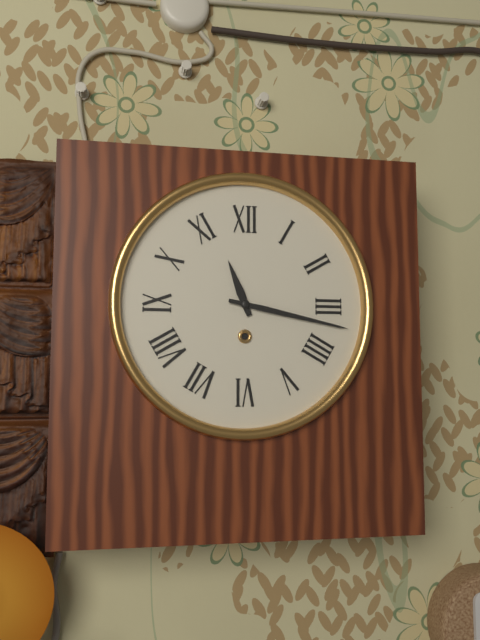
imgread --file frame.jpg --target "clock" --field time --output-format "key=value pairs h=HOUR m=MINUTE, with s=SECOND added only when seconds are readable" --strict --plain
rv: h=11 m=17
